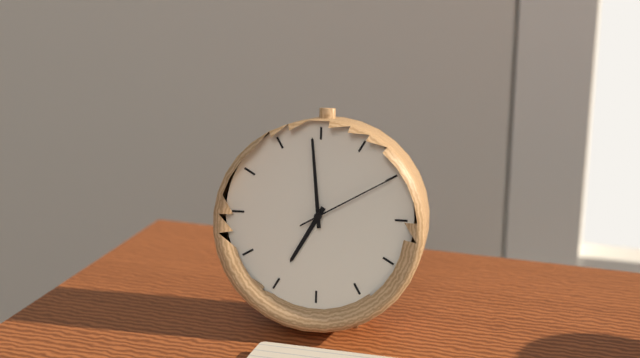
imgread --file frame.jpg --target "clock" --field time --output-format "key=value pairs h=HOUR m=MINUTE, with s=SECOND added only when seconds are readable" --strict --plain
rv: h=6 m=59 s=10
